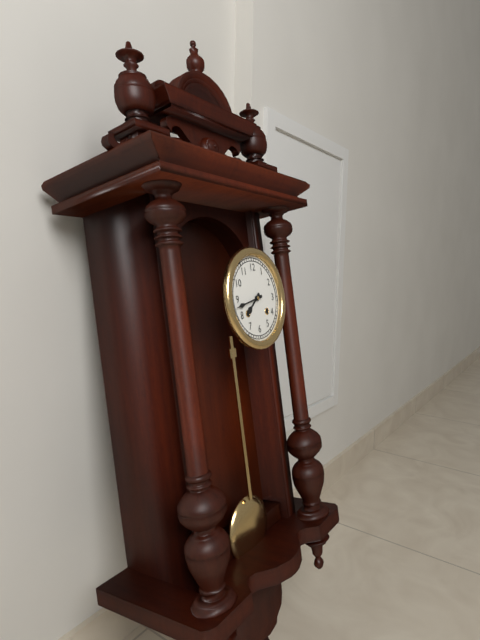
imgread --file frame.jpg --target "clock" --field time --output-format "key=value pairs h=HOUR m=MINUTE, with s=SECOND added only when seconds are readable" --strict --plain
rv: h=7 m=43
